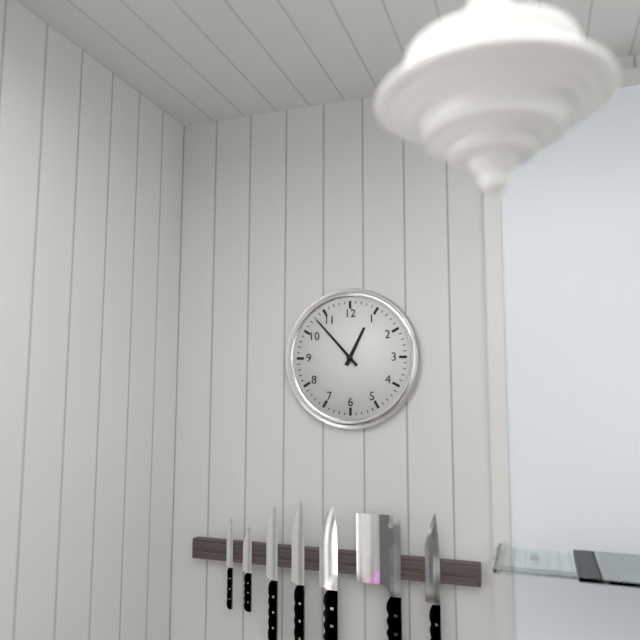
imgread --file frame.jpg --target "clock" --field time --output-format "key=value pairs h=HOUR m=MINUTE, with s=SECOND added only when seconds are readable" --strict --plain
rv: h=12 m=53
